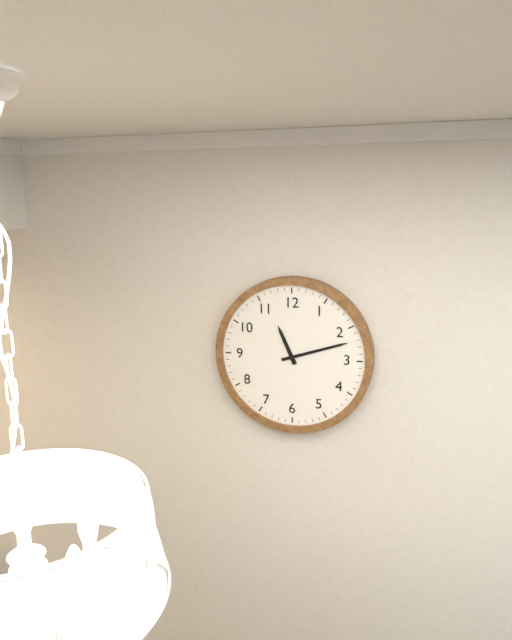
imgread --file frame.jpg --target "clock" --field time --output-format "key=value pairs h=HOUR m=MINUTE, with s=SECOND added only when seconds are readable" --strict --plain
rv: h=11 m=12
